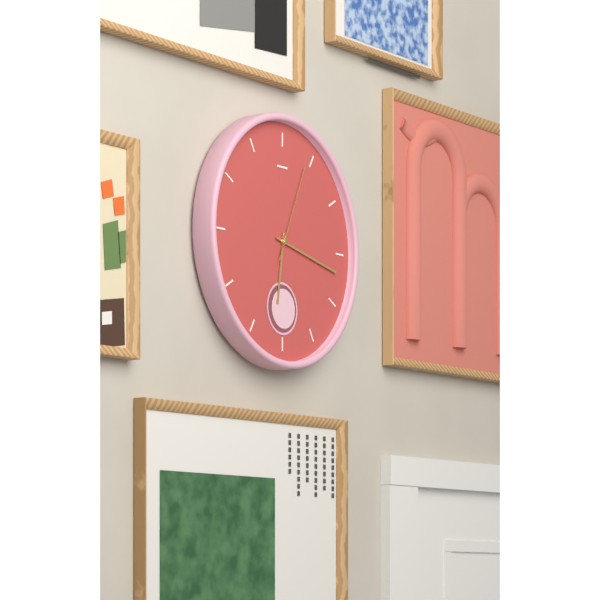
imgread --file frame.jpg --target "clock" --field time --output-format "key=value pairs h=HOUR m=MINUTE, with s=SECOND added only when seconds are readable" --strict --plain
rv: h=6 m=17 s=4
